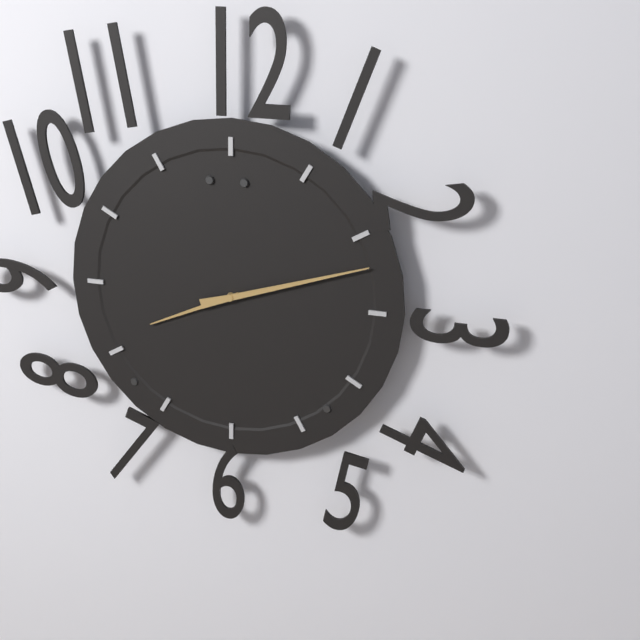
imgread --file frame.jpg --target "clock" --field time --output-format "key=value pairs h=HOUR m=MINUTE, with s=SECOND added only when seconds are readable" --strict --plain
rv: h=8 m=12
